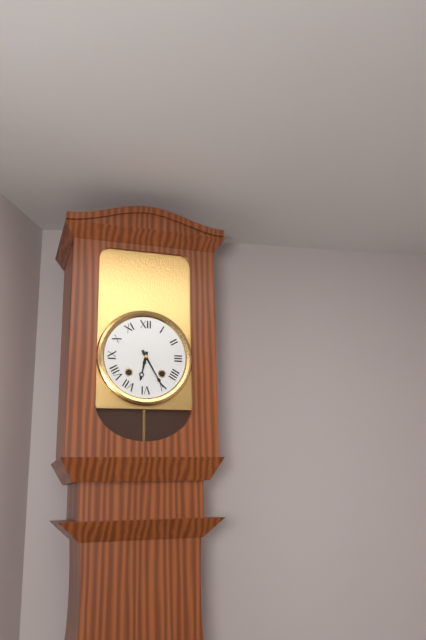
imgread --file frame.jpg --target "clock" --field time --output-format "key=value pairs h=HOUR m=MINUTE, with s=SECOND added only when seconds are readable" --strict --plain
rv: h=6 m=25
